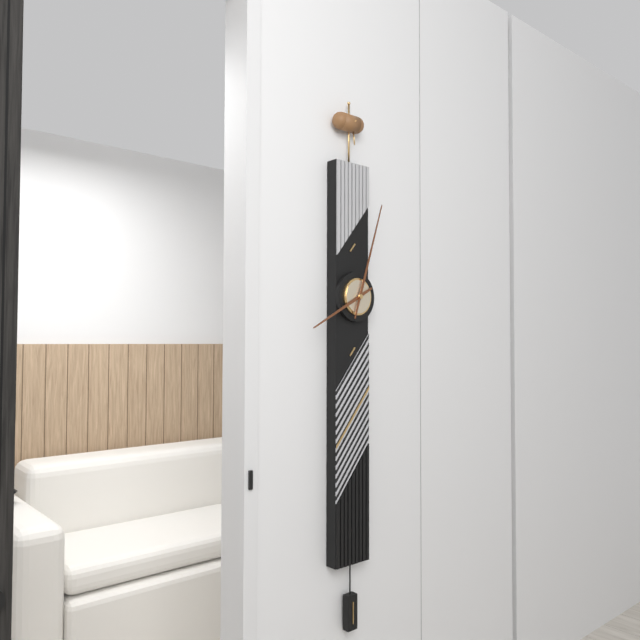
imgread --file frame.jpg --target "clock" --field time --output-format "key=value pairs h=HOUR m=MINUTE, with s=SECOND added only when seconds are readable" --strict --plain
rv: h=8 m=3
